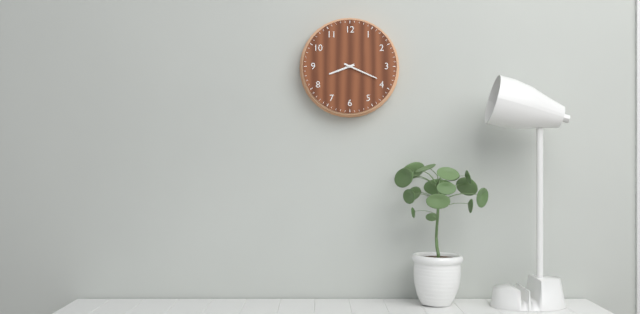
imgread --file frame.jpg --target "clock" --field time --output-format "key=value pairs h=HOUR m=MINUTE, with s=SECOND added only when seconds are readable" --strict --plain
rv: h=8 m=19
